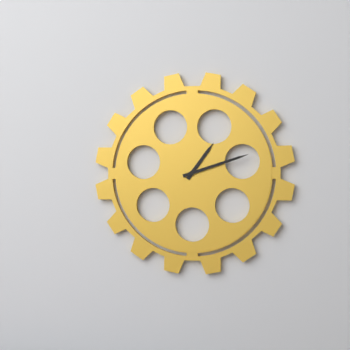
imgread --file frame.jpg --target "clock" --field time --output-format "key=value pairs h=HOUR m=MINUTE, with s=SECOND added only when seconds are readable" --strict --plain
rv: h=1 m=12
